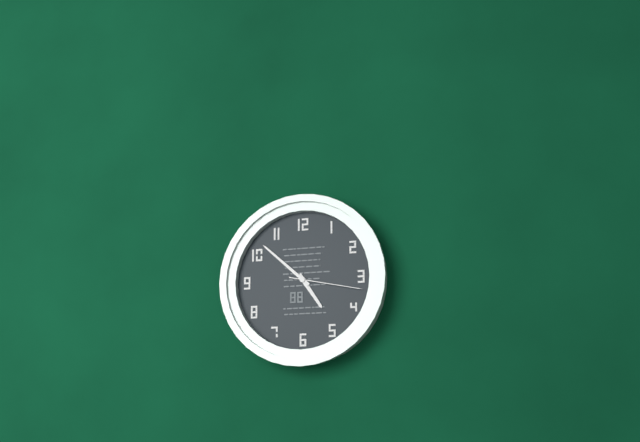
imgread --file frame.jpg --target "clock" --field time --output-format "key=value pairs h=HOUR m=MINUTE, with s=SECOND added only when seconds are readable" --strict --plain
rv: h=4 m=52 s=17
